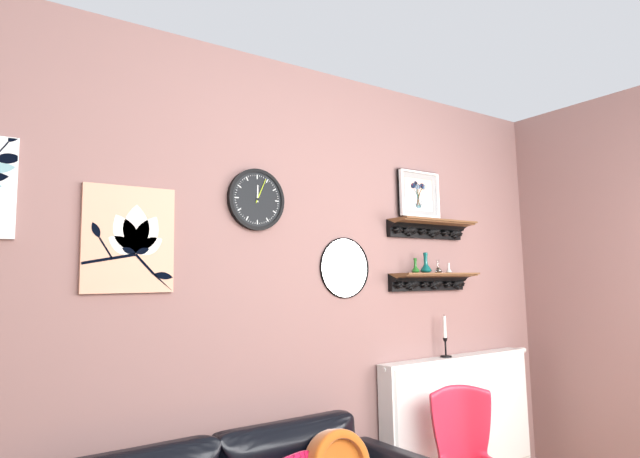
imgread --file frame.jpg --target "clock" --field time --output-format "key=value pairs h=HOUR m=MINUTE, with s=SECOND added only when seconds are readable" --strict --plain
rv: h=12 m=4
